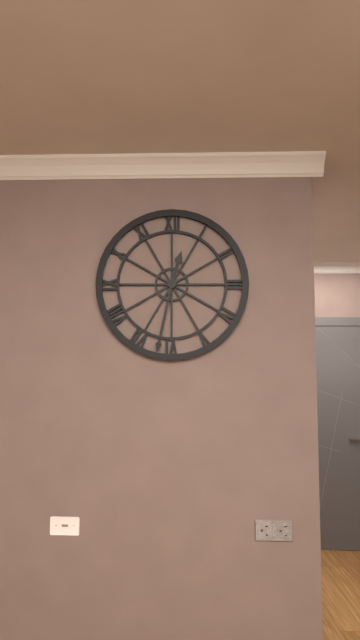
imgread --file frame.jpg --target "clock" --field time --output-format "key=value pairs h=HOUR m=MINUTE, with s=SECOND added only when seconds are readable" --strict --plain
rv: h=12 m=32
